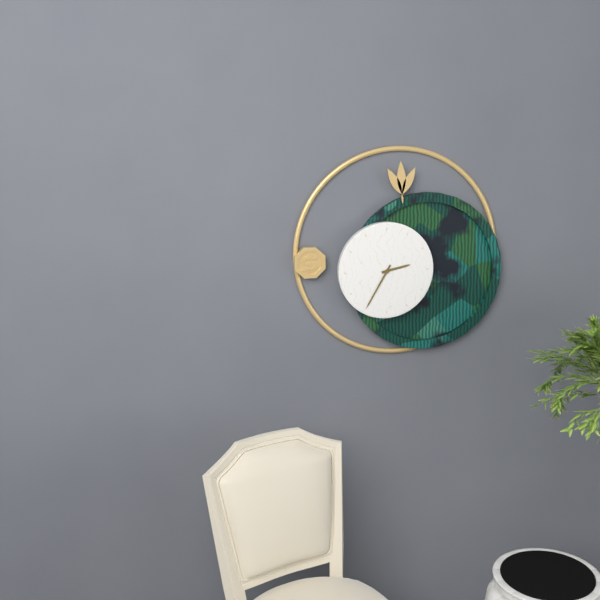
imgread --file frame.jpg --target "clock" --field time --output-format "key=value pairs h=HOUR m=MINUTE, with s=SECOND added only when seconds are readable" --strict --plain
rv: h=2 m=35
